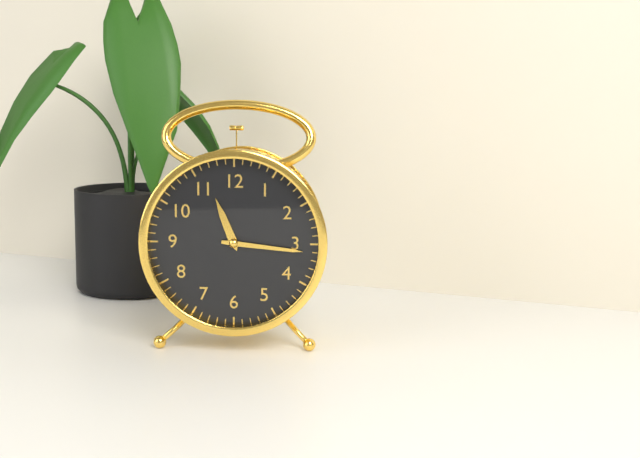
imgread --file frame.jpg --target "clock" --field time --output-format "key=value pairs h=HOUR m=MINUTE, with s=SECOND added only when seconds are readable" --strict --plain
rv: h=11 m=16
